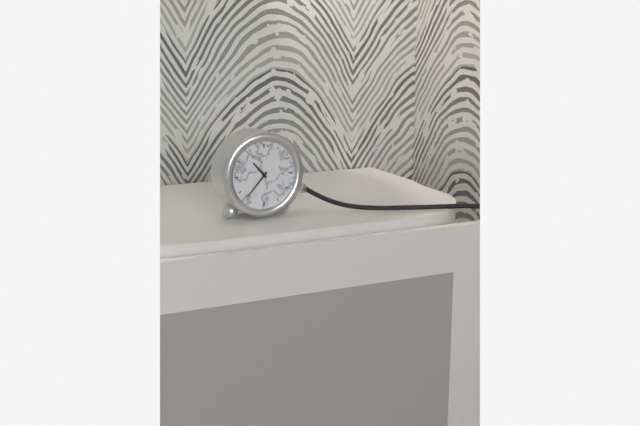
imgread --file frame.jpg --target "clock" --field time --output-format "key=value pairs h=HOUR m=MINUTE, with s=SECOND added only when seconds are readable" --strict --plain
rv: h=10 m=37
